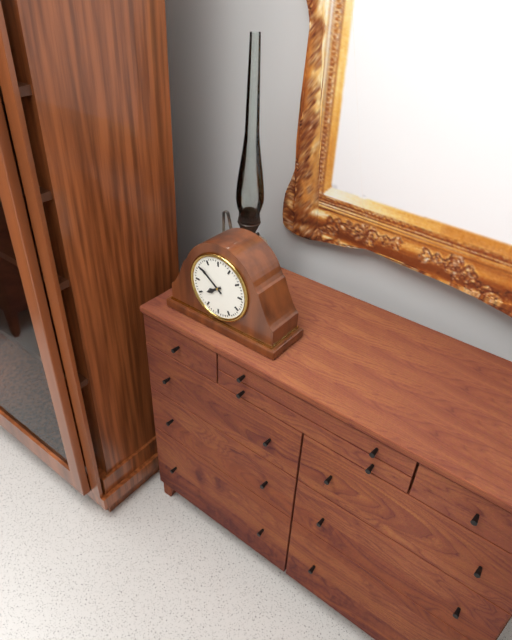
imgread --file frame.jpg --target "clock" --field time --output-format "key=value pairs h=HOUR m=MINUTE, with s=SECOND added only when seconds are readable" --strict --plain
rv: h=7 m=51
